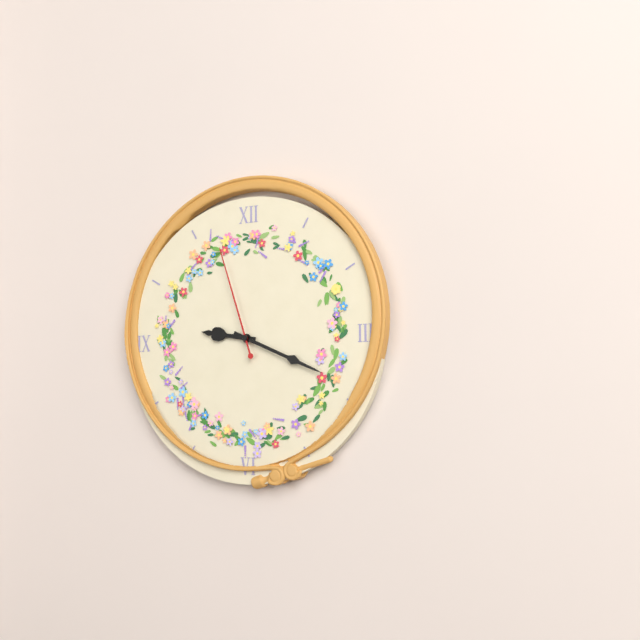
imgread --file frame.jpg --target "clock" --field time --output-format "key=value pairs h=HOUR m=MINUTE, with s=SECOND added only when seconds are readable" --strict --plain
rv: h=9 m=19 s=57
